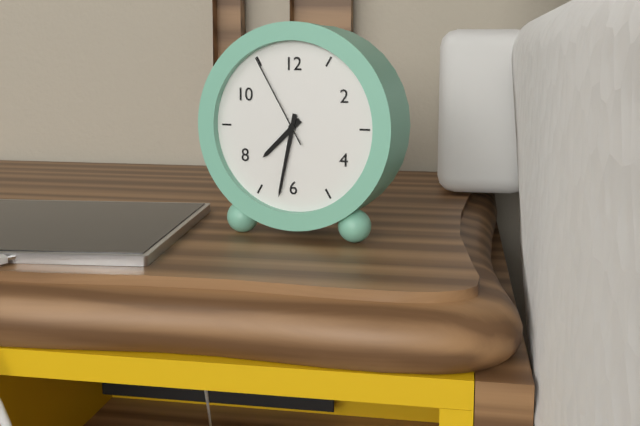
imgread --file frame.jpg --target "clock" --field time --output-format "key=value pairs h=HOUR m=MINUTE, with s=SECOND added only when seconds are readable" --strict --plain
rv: h=7 m=32 s=55
